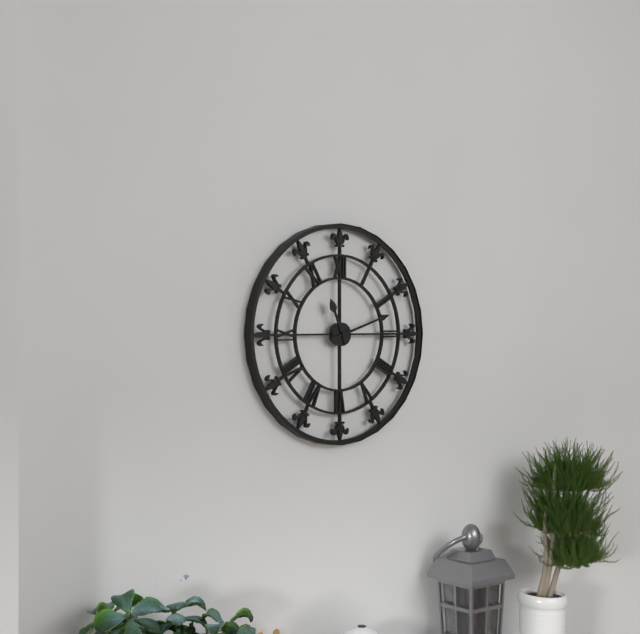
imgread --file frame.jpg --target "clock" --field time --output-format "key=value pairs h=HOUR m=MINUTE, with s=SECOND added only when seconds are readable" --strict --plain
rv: h=11 m=12
